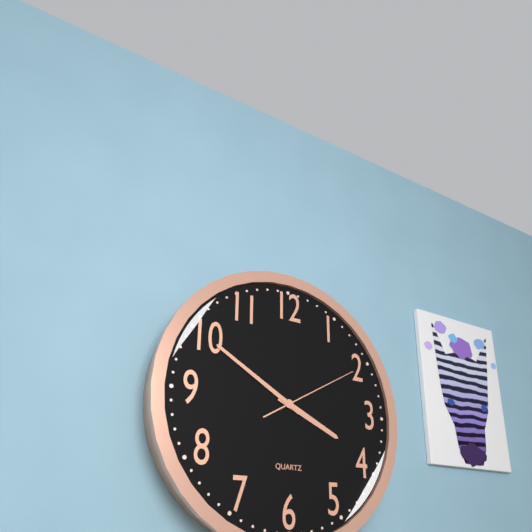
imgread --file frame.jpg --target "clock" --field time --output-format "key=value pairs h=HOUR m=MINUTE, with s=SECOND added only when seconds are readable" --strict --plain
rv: h=3 m=50 s=10
